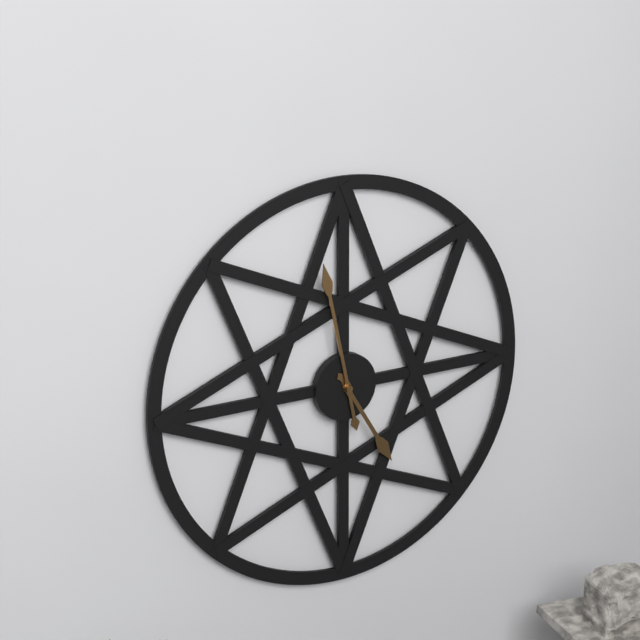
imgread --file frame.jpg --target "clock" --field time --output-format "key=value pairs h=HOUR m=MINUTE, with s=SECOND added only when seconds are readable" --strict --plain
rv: h=4 m=58
